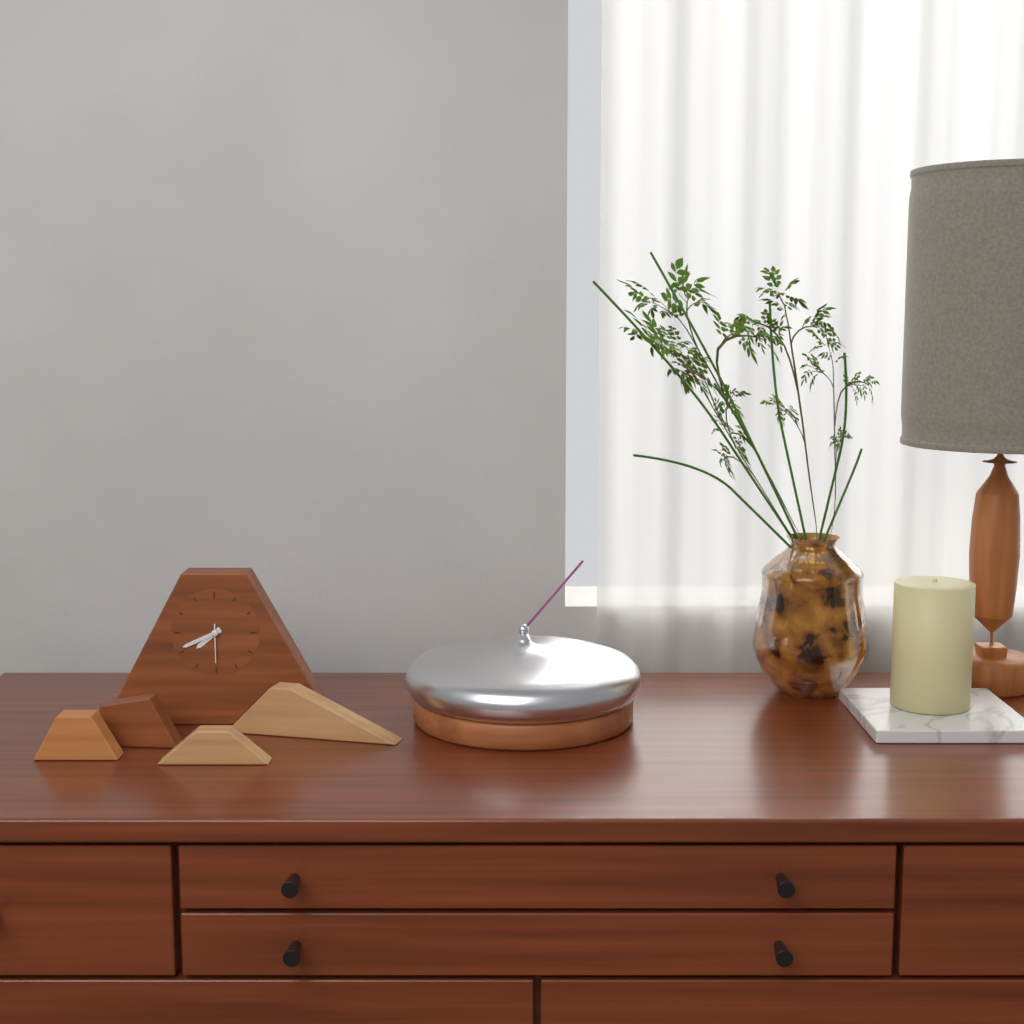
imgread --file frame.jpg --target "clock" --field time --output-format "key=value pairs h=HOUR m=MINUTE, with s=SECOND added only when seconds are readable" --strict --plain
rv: h=7 m=41
